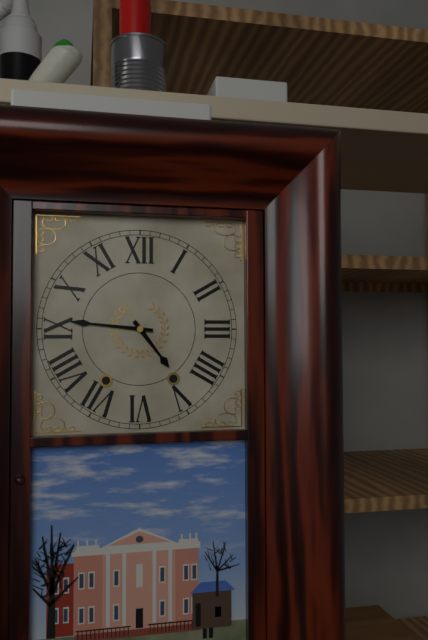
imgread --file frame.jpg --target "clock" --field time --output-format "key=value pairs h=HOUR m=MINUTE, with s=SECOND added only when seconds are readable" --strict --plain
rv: h=4 m=46
